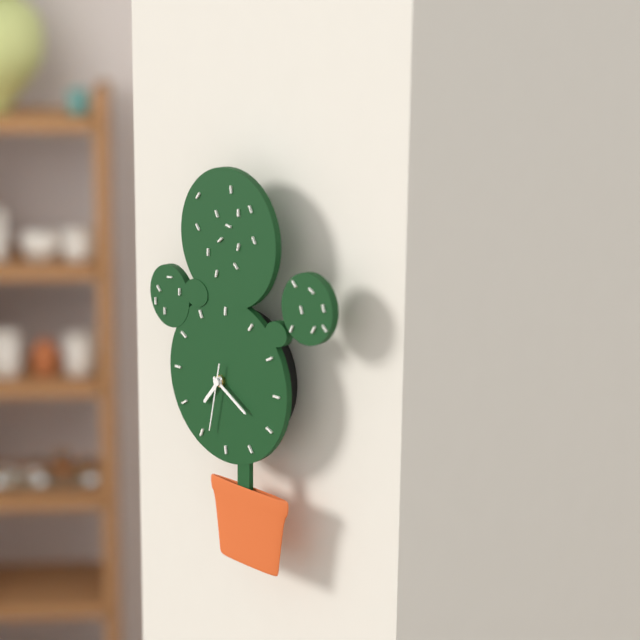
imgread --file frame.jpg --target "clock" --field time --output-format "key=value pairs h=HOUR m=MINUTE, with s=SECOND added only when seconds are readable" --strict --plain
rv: h=7 m=20 s=32
